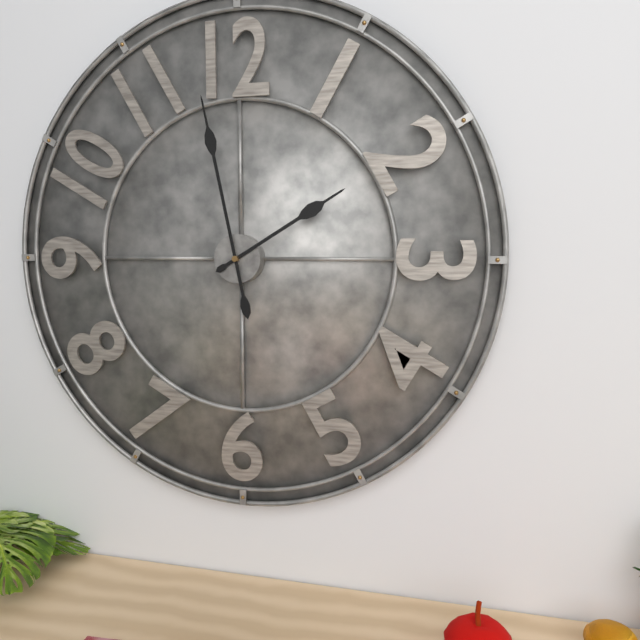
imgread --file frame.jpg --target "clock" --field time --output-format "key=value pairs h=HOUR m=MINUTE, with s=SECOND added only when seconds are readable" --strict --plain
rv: h=1 m=58
